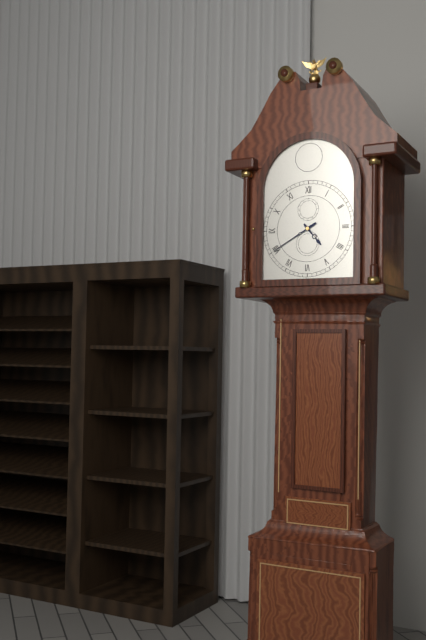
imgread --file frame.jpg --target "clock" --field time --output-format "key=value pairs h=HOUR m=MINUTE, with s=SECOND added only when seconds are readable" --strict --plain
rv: h=4 m=40
